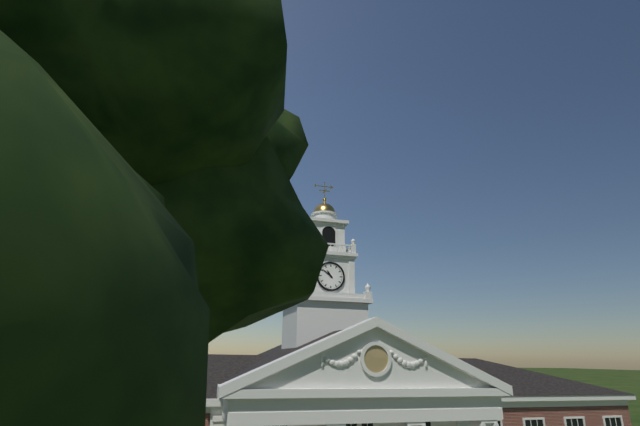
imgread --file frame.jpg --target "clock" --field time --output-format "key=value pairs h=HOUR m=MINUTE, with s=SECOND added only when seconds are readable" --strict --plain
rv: h=10 m=51
